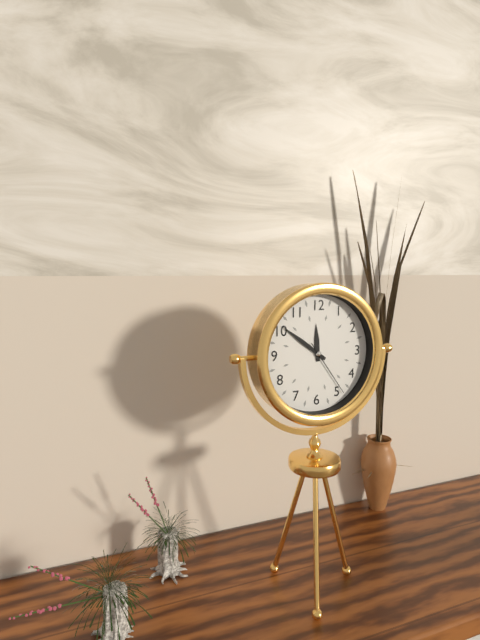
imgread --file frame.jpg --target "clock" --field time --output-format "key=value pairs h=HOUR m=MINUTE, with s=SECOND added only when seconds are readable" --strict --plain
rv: h=11 m=51 s=24
